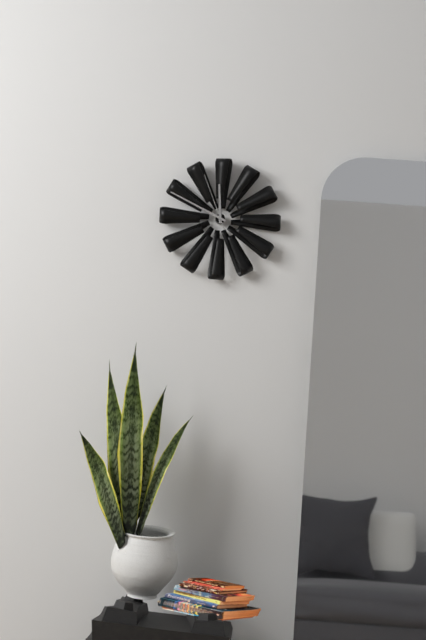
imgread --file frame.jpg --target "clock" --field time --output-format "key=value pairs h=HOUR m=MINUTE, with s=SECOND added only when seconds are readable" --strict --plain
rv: h=11 m=49 s=56
